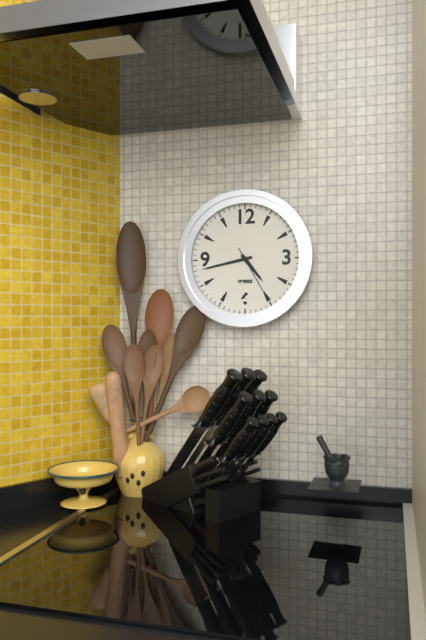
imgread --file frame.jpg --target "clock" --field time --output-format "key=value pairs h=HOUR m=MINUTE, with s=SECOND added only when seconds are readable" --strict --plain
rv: h=4 m=43 s=25
